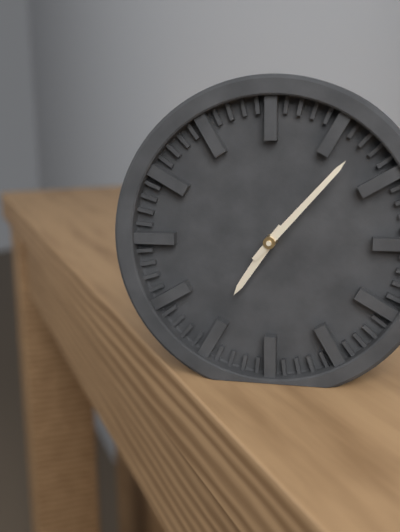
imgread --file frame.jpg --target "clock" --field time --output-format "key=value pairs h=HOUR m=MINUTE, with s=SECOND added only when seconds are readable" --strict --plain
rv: h=7 m=7
